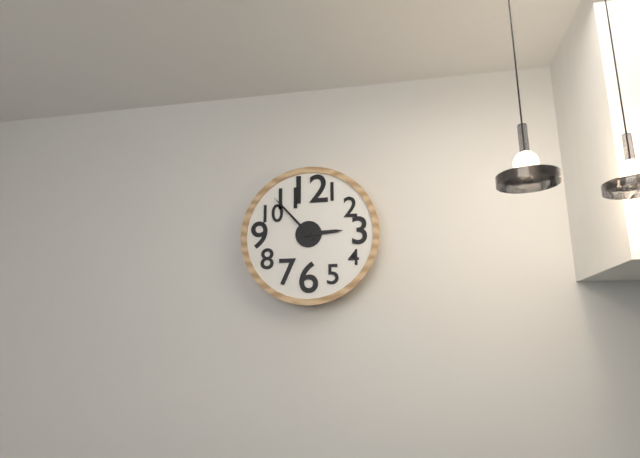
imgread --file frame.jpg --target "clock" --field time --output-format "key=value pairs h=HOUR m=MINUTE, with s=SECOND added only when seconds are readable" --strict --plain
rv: h=2 m=53
